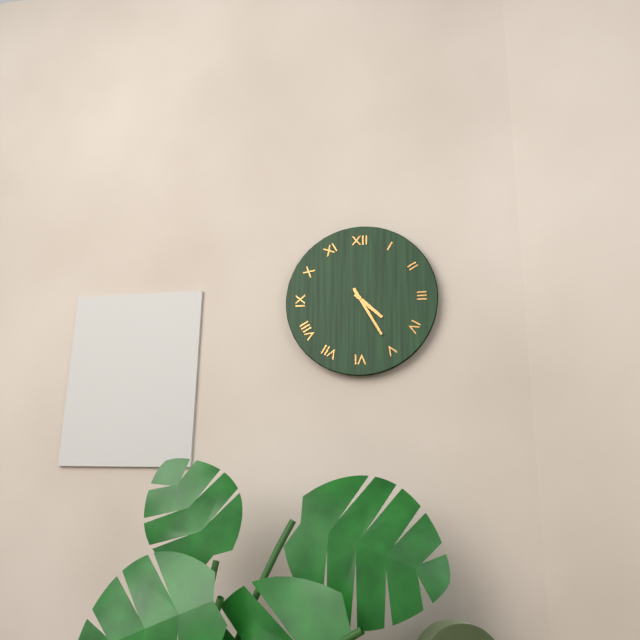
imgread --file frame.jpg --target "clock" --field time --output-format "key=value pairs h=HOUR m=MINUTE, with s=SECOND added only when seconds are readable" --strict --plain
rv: h=4 m=25
